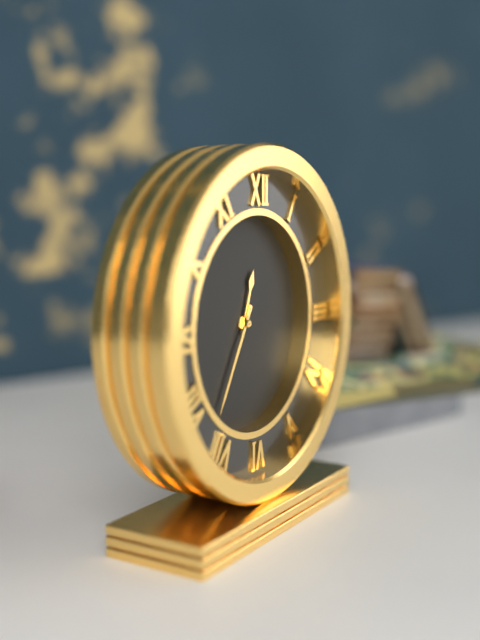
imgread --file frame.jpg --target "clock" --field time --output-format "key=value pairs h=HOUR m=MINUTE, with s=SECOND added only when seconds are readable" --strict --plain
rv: h=12 m=35
